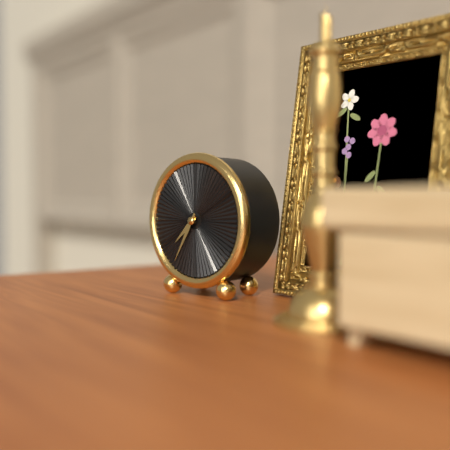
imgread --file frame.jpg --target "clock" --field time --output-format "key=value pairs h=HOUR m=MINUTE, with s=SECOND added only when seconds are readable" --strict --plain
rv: h=7 m=35
